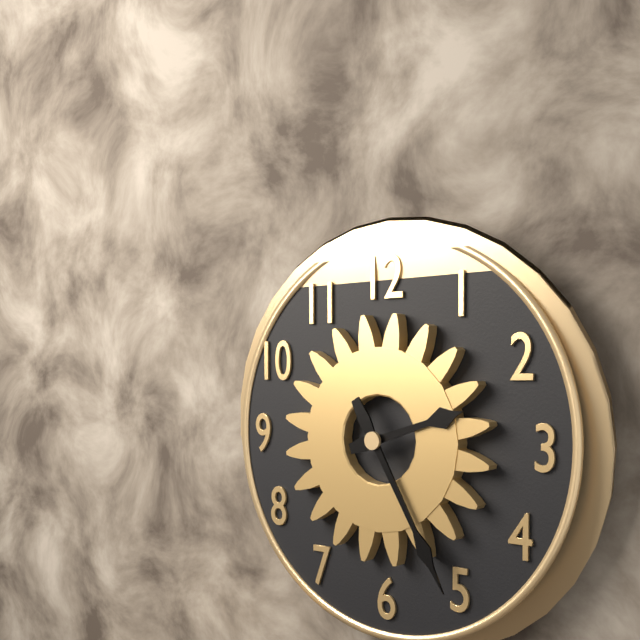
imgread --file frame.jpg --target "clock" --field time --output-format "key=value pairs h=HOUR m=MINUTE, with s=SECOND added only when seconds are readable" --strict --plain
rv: h=2 m=25
